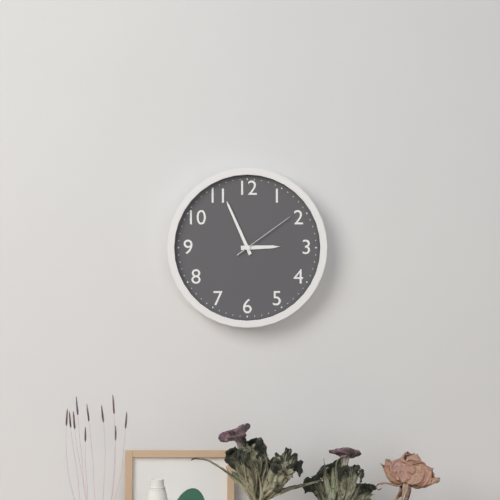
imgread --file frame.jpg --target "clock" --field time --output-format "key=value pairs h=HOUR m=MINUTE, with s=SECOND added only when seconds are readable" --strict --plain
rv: h=2 m=56 s=9
